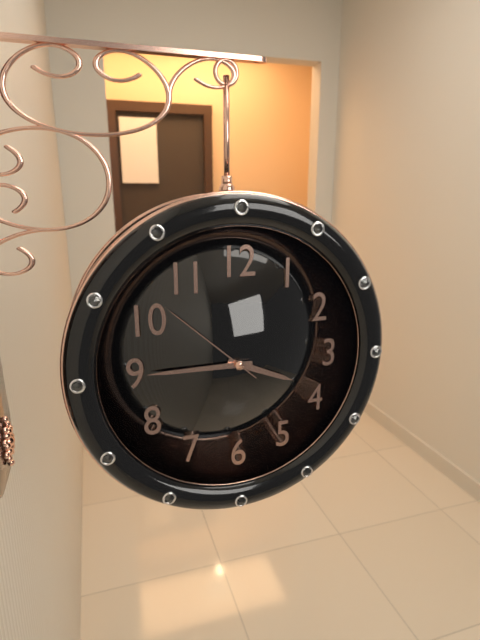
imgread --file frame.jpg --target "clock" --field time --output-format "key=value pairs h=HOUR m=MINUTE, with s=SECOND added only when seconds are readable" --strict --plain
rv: h=3 m=45 s=52
